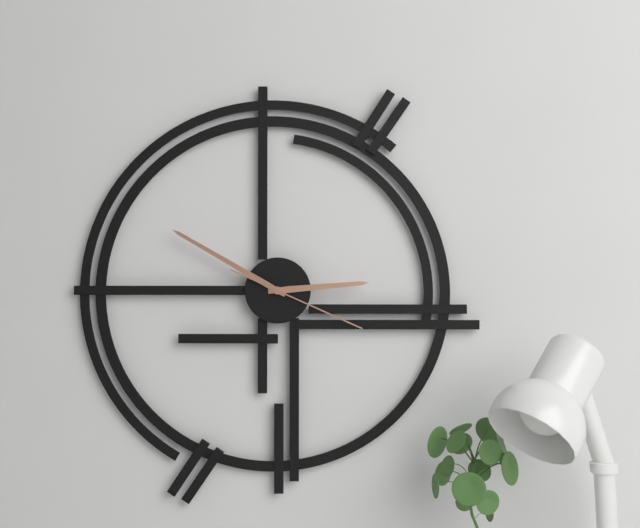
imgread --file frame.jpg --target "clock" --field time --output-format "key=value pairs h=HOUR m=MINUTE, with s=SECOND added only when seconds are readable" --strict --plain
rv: h=2 m=50 s=19
